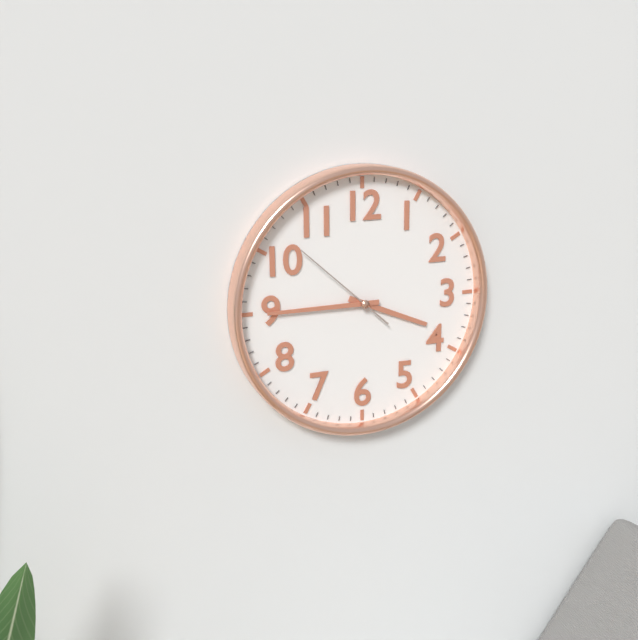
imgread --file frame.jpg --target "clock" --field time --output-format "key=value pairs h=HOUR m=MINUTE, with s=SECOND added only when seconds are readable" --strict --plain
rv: h=3 m=45 s=52
